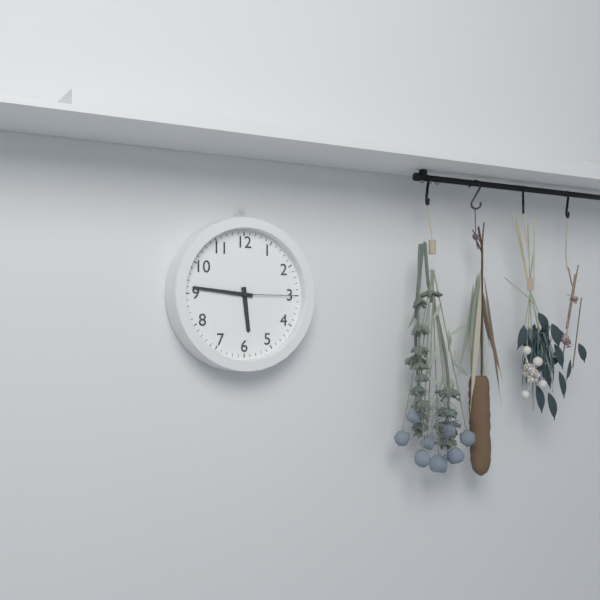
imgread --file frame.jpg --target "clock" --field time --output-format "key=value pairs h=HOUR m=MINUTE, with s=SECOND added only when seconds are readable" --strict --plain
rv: h=5 m=46 s=15
